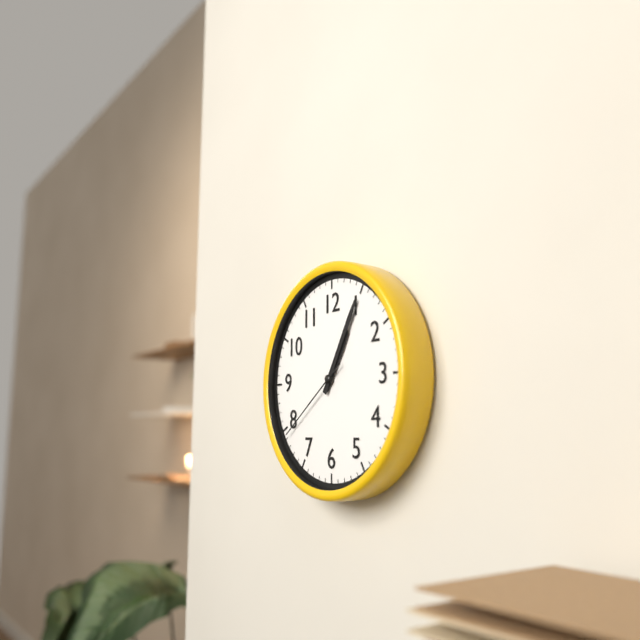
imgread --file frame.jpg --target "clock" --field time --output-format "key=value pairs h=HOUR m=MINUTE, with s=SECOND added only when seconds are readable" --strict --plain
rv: h=1 m=5 s=39
